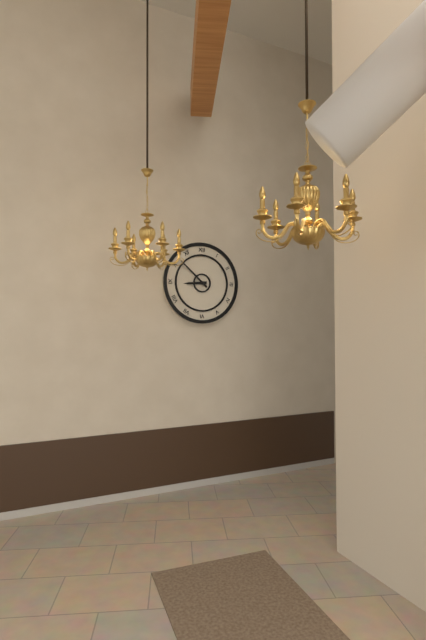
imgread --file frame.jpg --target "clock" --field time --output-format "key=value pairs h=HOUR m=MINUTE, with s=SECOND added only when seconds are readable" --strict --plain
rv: h=8 m=52
